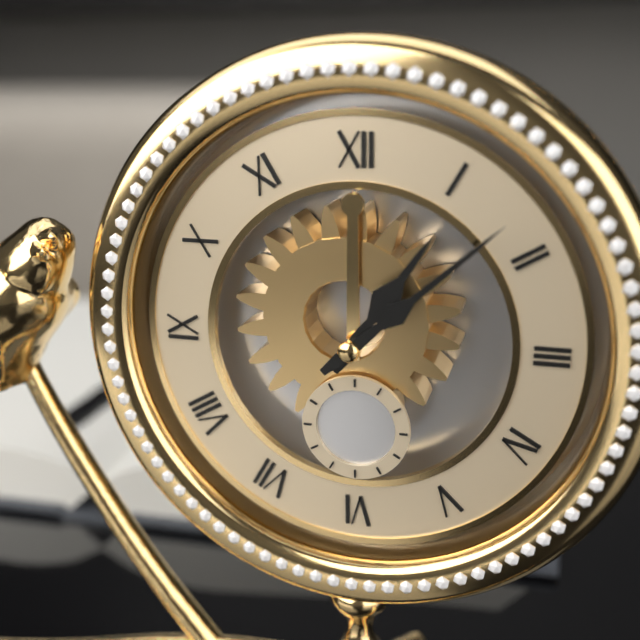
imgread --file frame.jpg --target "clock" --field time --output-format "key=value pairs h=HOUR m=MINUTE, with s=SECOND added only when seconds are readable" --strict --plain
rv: h=1 m=8
